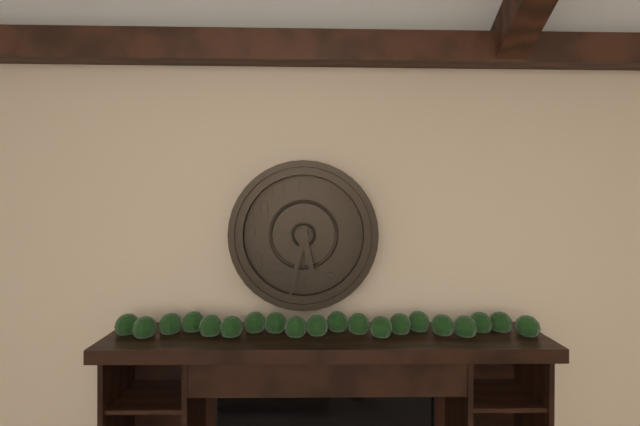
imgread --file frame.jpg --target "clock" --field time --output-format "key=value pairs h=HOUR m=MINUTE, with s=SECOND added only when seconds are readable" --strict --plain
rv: h=5 m=32
